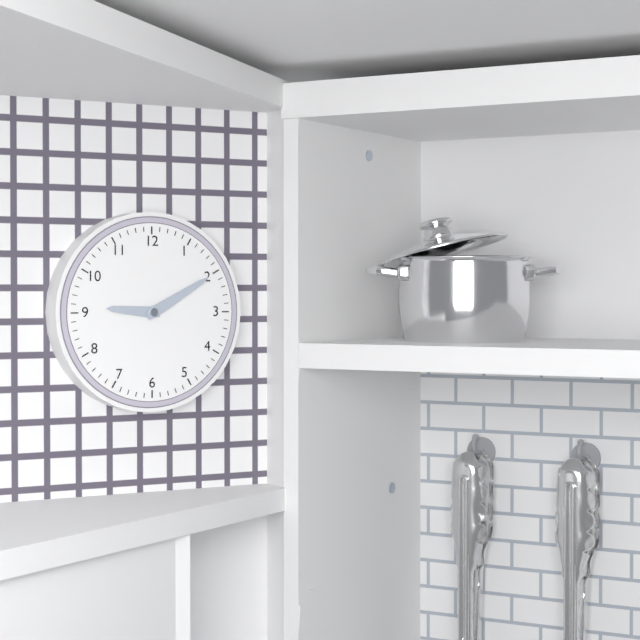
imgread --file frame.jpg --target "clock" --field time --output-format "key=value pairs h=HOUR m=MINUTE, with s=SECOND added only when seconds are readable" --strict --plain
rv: h=9 m=10
